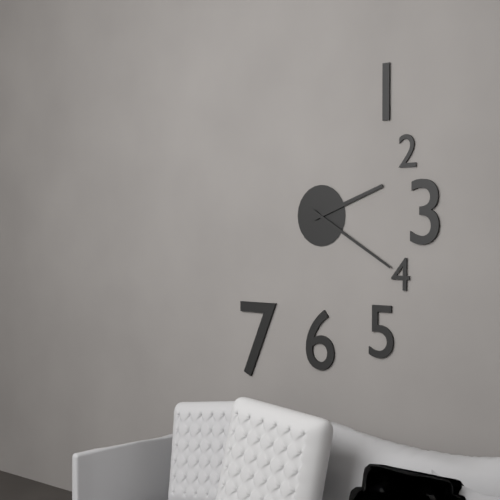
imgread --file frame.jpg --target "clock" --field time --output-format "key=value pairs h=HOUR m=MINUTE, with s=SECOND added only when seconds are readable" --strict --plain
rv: h=2 m=20
